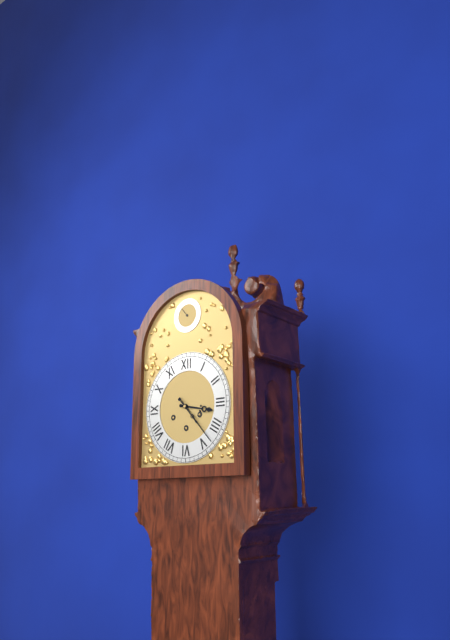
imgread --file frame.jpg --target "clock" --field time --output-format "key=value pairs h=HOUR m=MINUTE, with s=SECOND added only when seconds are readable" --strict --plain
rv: h=3 m=23
